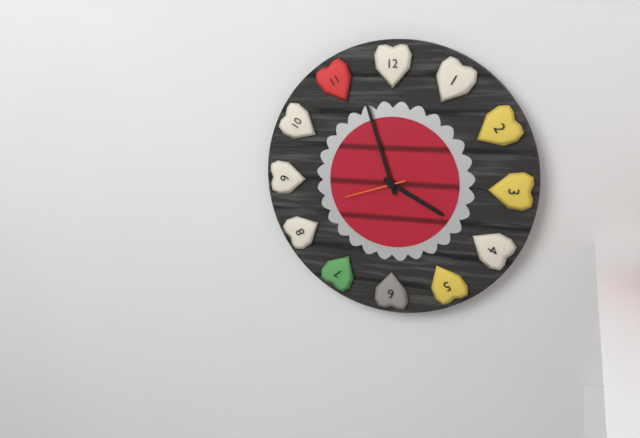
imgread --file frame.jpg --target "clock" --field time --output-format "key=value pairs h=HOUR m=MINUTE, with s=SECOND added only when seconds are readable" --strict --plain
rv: h=3 m=57 s=42
